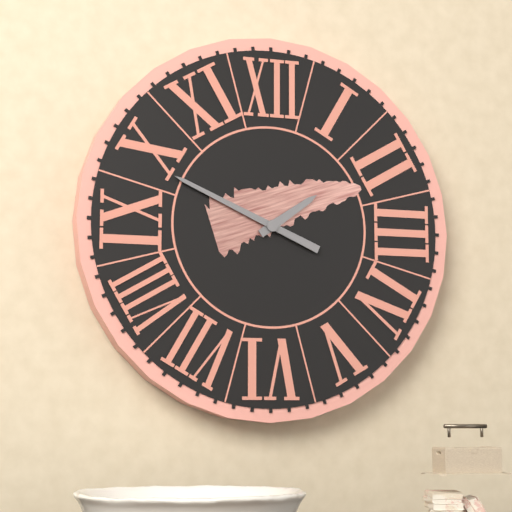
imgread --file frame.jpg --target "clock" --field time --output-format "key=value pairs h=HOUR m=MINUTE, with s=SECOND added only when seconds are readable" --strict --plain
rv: h=1 m=49
